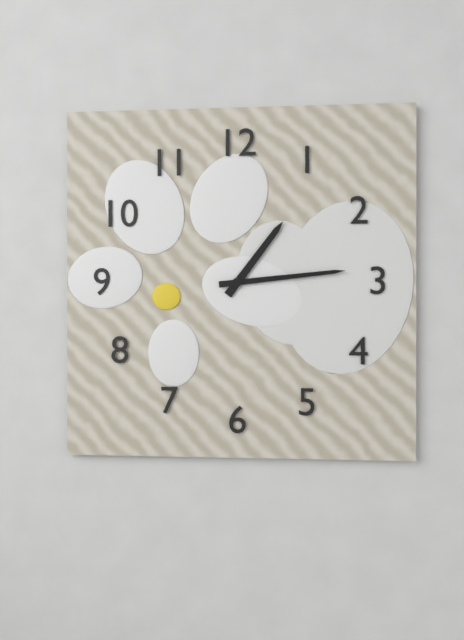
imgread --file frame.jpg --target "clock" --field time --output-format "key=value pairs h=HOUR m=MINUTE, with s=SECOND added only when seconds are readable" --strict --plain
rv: h=1 m=14
